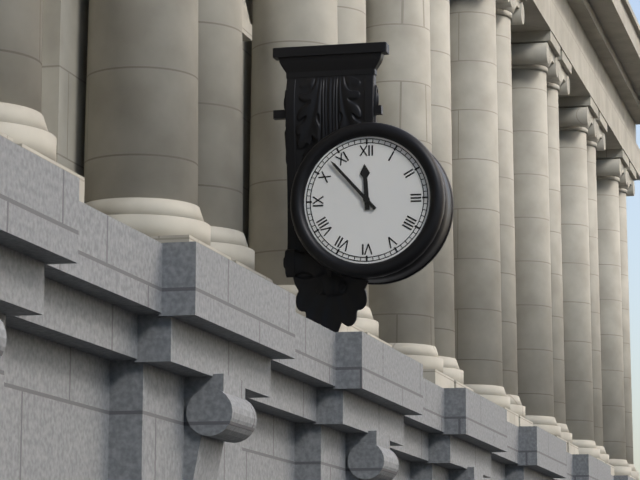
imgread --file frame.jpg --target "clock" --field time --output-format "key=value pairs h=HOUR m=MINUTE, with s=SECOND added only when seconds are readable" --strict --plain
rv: h=11 m=53
